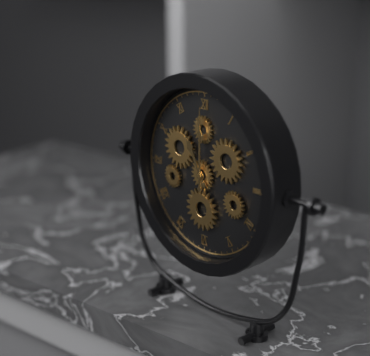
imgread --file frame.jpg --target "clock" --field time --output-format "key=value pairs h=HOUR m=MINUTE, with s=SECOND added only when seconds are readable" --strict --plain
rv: h=11 m=0
